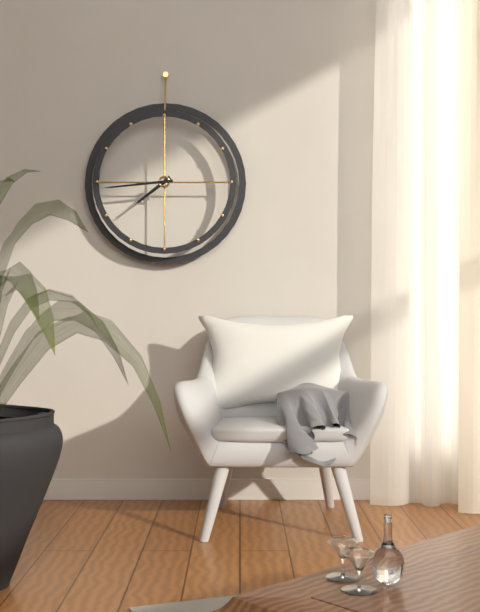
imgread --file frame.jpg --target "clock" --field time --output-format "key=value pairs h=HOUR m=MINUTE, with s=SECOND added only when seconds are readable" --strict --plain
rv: h=7 m=44
